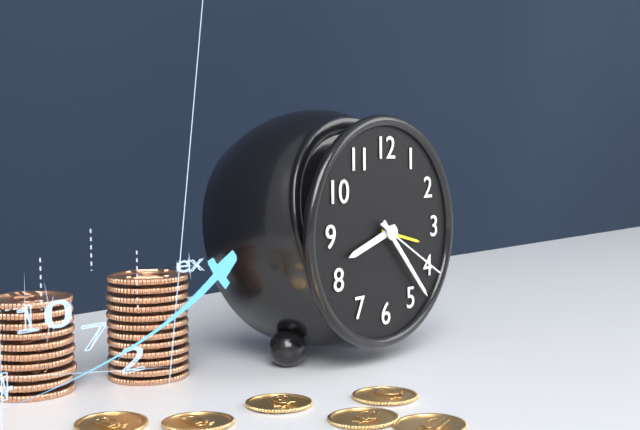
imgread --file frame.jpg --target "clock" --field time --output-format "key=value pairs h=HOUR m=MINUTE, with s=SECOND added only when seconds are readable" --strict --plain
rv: h=8 m=23 s=20
